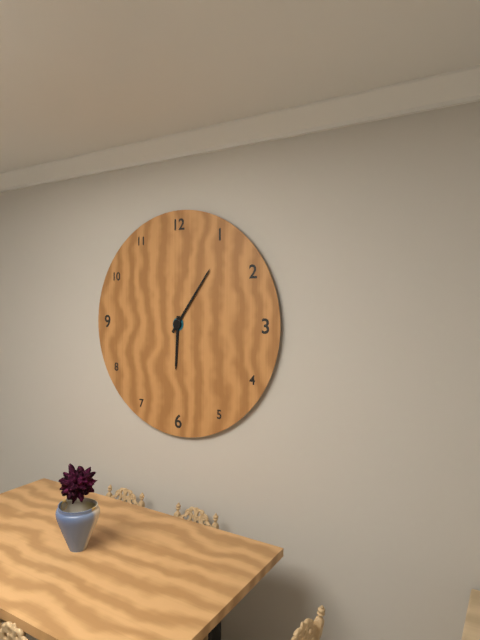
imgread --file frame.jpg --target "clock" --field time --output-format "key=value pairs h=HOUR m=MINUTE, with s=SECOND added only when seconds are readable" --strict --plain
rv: h=6 m=6
